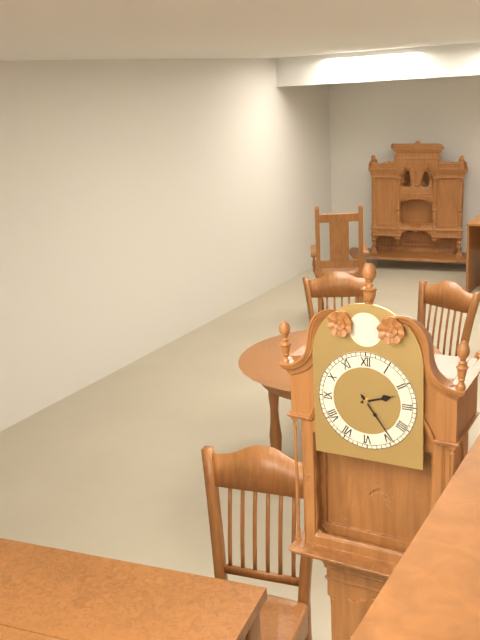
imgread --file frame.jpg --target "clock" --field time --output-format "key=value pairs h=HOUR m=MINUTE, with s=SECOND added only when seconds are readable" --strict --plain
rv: h=2 m=24
